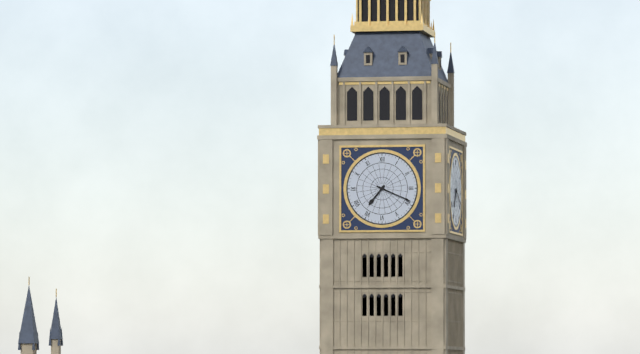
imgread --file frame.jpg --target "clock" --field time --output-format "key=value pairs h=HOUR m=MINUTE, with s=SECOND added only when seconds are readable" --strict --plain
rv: h=7 m=19
